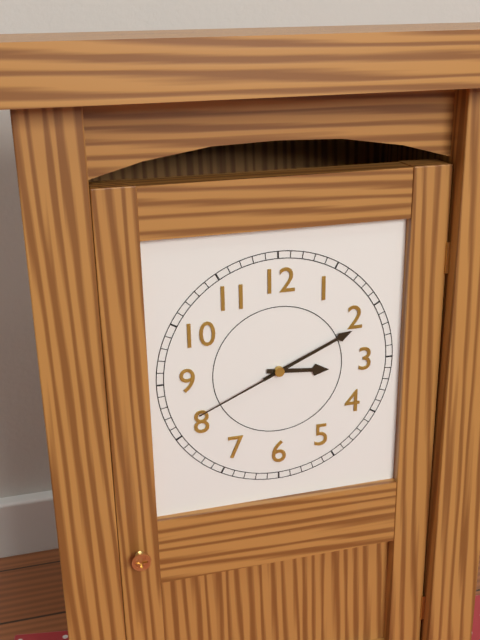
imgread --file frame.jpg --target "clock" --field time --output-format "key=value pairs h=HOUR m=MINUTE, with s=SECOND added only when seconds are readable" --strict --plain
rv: h=3 m=11 s=41
